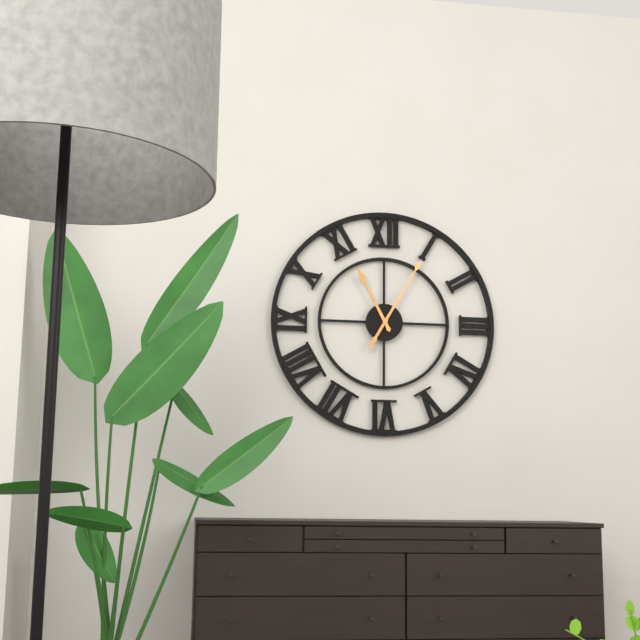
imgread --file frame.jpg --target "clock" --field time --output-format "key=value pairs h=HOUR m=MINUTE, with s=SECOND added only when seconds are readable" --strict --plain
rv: h=11 m=5
